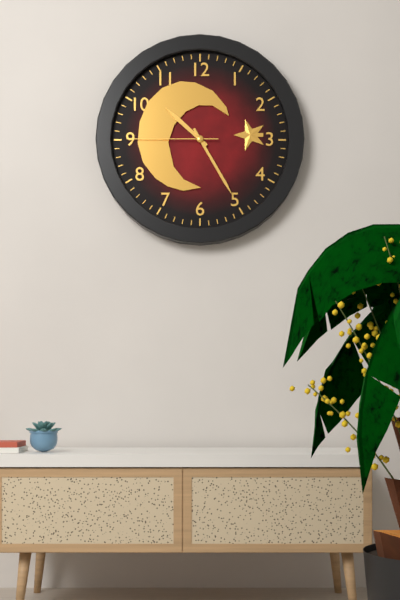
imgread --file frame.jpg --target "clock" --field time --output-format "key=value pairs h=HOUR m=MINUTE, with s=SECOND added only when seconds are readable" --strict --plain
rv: h=10 m=25 s=45
